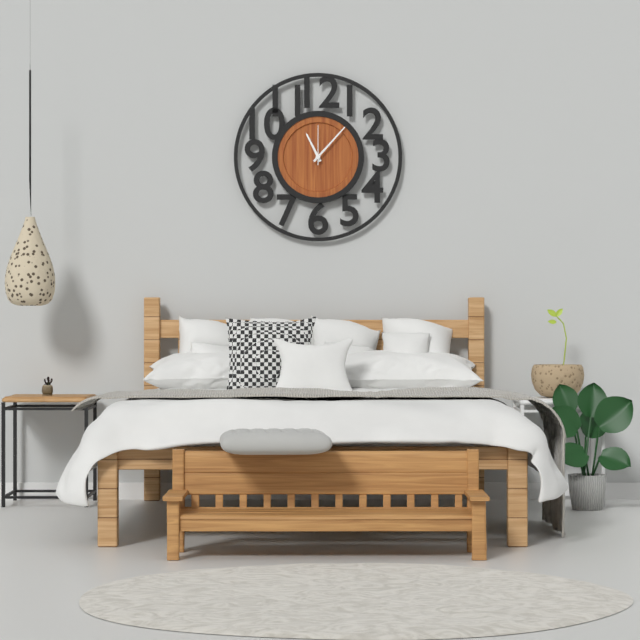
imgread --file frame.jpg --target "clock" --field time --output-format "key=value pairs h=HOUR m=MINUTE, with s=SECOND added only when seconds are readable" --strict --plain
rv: h=11 m=7
